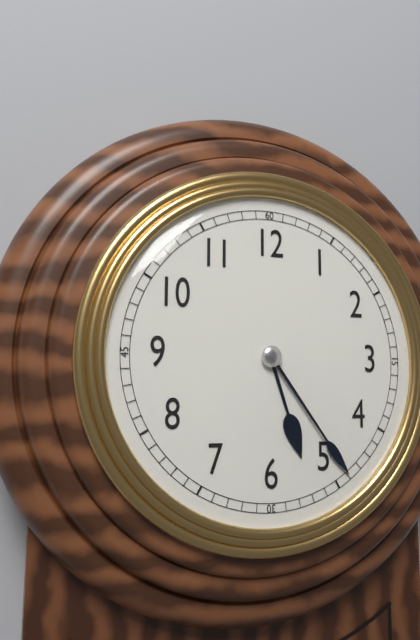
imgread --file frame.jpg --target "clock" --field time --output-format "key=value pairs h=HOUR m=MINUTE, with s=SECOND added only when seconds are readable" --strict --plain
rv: h=5 m=24
